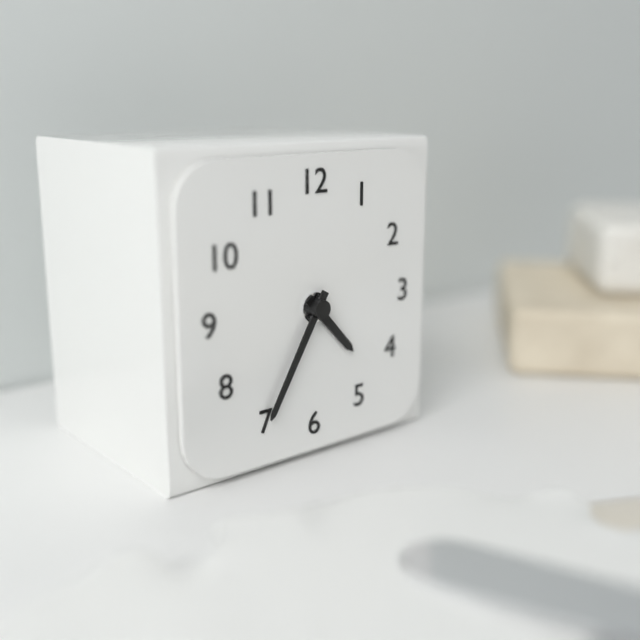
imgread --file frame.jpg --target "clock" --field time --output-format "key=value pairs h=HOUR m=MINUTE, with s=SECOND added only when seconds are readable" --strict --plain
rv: h=4 m=35
